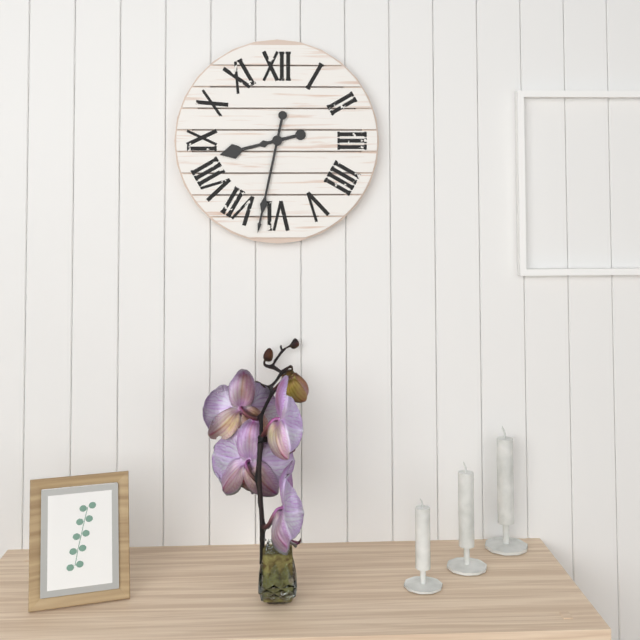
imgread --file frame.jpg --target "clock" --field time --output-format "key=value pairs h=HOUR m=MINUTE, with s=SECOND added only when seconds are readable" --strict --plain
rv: h=8 m=32
